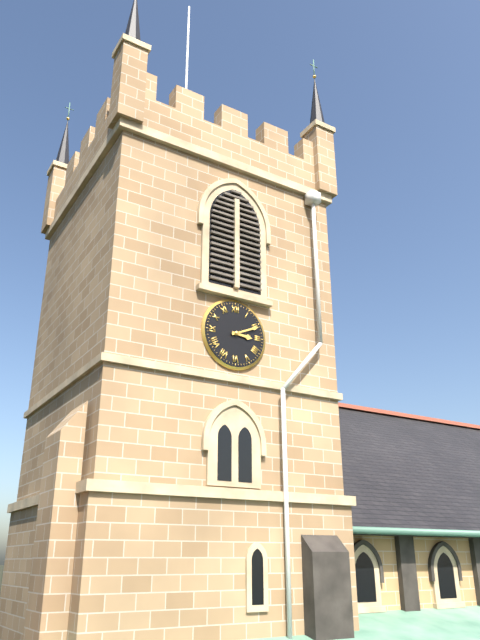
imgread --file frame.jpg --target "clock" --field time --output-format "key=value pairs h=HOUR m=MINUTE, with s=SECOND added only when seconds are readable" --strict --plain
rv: h=3 m=11
